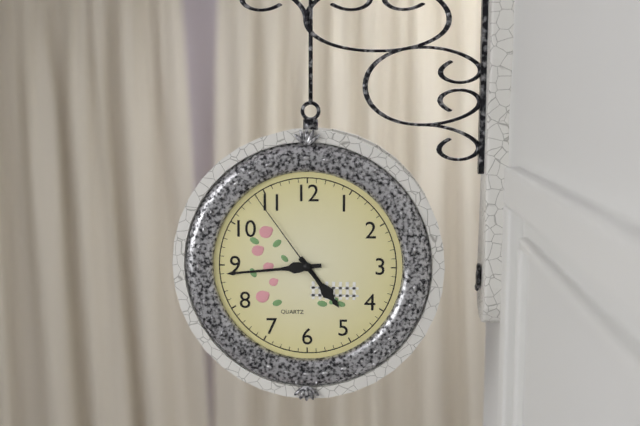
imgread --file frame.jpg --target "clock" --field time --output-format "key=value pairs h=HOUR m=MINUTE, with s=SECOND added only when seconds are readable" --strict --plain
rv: h=4 m=44 s=54
